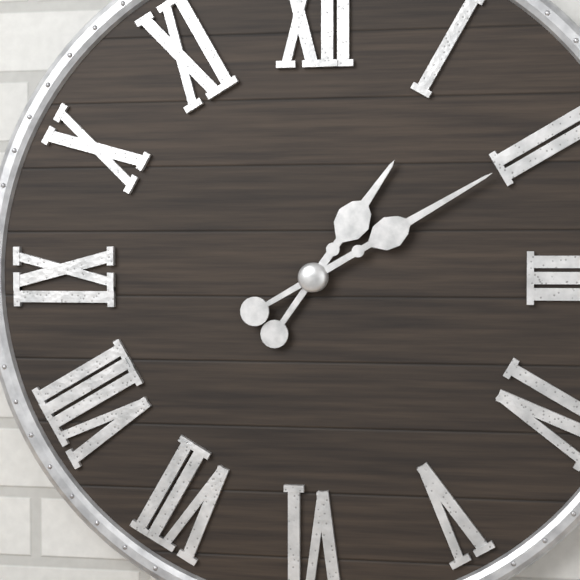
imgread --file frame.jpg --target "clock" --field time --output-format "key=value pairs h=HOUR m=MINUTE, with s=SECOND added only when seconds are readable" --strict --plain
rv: h=1 m=10
